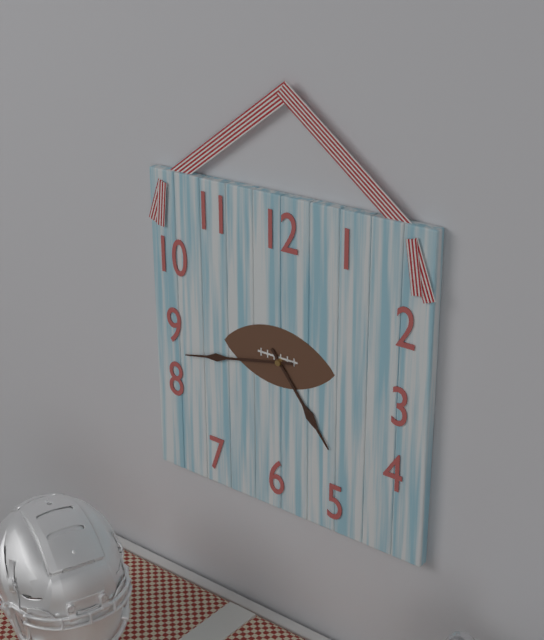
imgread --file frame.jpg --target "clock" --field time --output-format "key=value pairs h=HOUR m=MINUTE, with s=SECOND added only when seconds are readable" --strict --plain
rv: h=4 m=43
